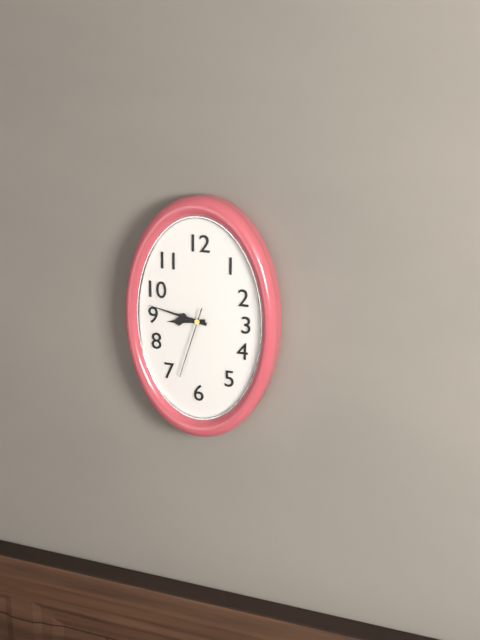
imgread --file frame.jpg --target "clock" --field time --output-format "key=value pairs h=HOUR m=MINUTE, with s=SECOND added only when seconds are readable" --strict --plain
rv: h=8 m=47 s=33
